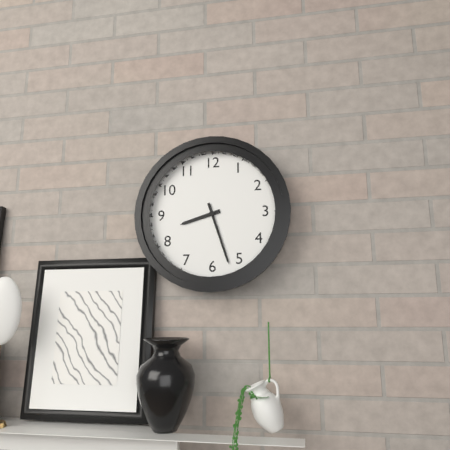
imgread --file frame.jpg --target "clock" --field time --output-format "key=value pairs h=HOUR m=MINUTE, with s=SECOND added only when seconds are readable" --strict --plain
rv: h=8 m=27
